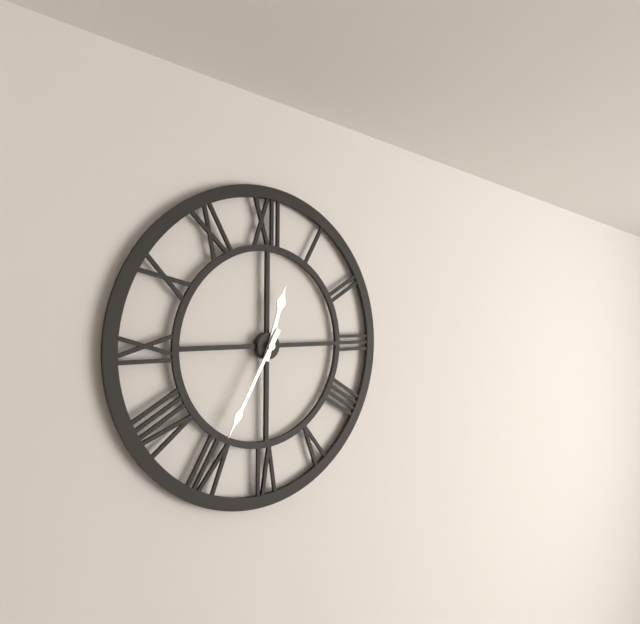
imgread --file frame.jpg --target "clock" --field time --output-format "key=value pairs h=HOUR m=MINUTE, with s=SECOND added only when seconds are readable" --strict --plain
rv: h=12 m=35
